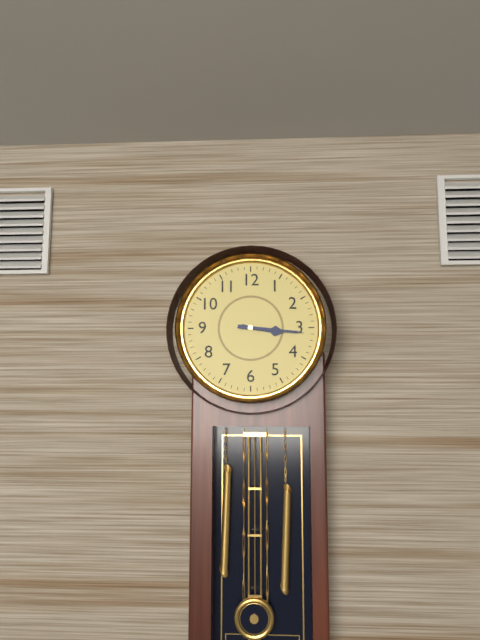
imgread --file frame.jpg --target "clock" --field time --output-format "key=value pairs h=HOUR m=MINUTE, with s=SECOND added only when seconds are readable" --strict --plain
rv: h=3 m=16
